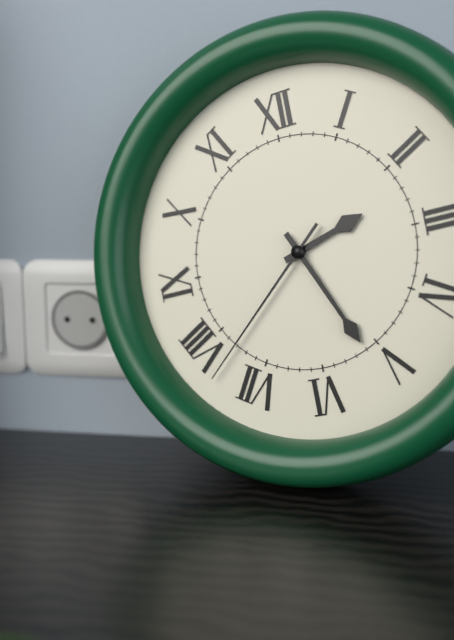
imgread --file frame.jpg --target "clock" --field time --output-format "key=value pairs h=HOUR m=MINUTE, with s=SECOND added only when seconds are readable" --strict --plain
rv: h=2 m=26 s=38
